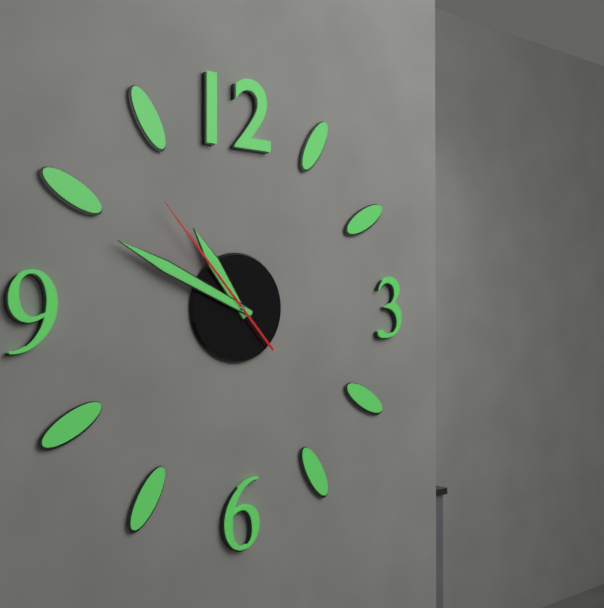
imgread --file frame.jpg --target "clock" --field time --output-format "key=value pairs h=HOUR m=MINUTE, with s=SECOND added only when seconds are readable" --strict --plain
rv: h=10 m=49 s=53
